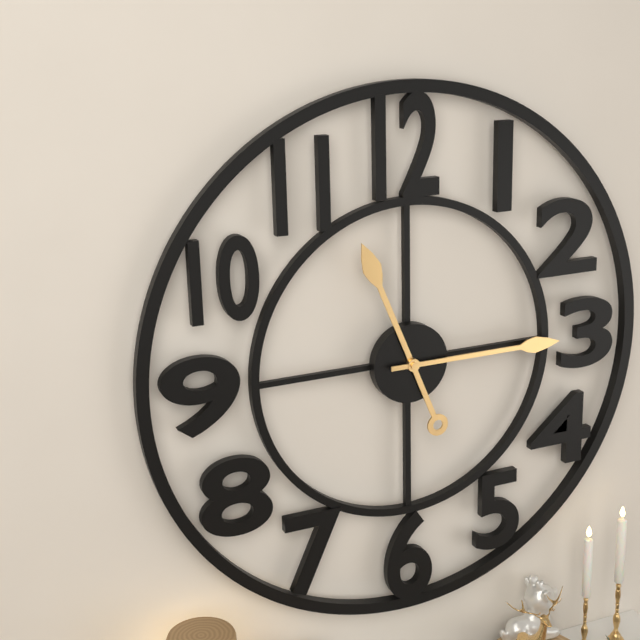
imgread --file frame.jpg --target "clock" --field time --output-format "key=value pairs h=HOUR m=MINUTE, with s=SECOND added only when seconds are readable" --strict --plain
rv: h=11 m=15
